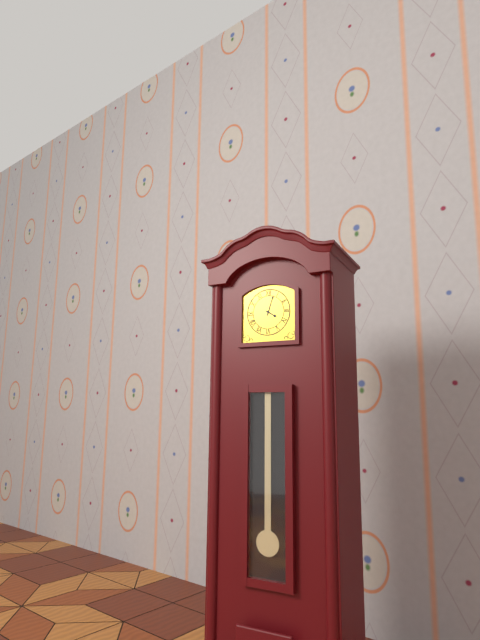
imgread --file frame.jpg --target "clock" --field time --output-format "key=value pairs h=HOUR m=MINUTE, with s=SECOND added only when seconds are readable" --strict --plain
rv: h=4 m=3
